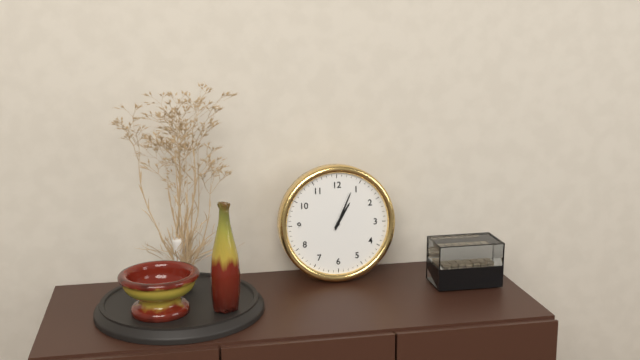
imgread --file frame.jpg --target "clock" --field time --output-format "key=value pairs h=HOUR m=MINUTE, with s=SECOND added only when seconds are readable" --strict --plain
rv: h=1 m=4
